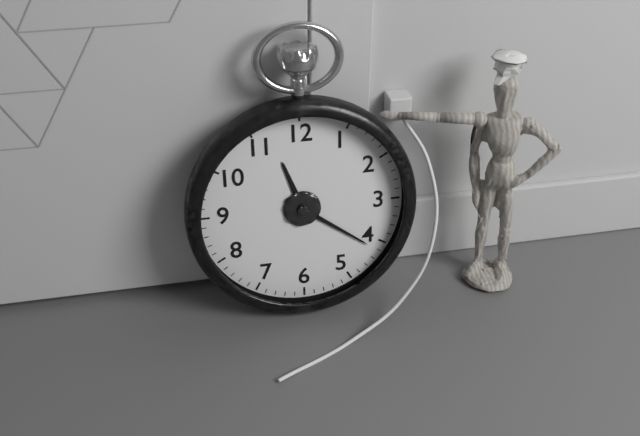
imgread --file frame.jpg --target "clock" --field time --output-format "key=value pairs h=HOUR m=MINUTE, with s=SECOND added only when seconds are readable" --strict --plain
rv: h=11 m=21
